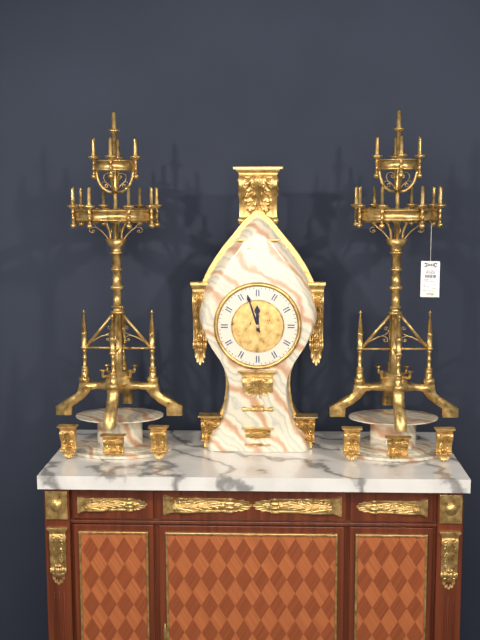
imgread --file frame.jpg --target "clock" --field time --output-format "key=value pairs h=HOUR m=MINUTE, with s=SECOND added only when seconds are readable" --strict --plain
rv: h=11 m=57
